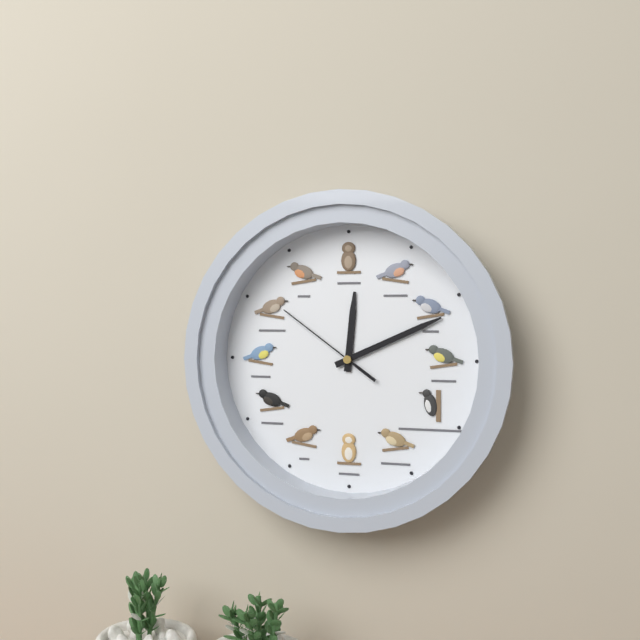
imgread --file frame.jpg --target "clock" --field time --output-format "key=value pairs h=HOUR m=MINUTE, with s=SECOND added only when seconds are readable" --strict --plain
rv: h=12 m=11 s=51
